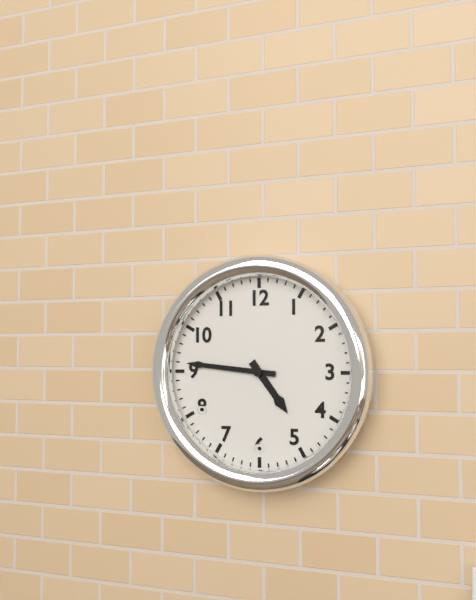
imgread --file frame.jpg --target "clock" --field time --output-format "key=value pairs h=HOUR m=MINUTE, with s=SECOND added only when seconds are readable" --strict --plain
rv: h=4 m=46
